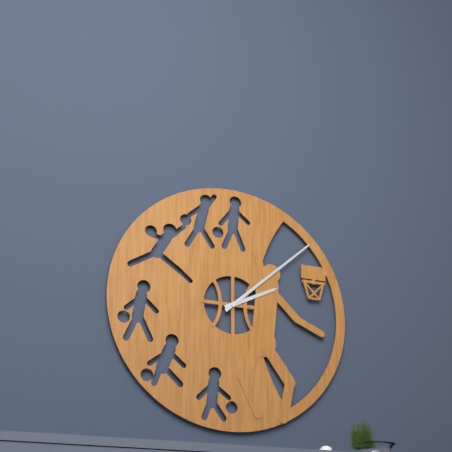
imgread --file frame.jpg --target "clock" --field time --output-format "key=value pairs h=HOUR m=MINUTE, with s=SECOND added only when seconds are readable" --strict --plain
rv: h=2 m=8
